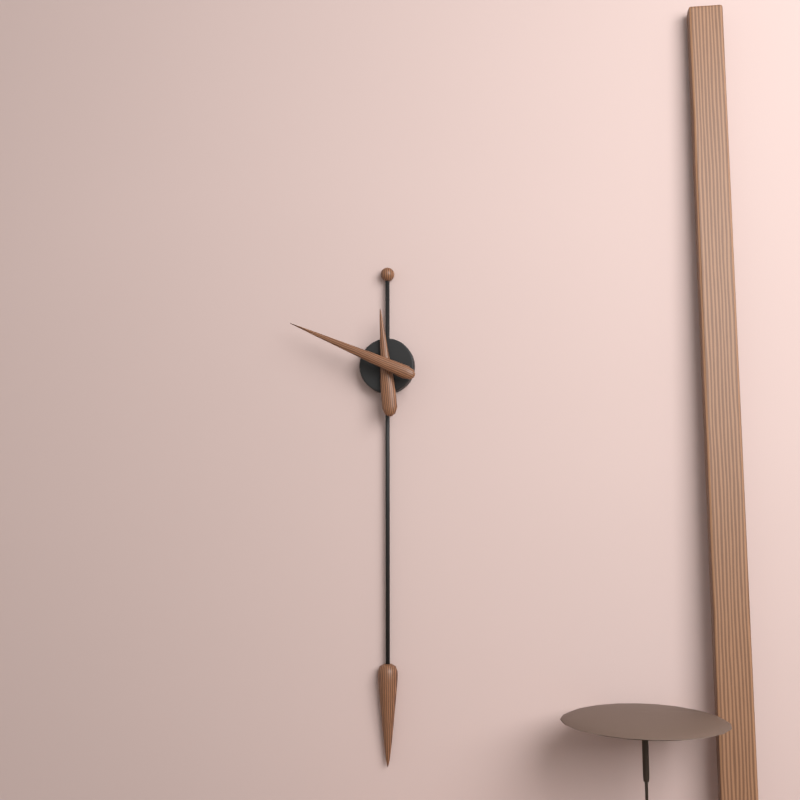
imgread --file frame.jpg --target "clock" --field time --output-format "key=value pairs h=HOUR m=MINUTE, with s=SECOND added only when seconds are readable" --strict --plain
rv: h=11 m=49
